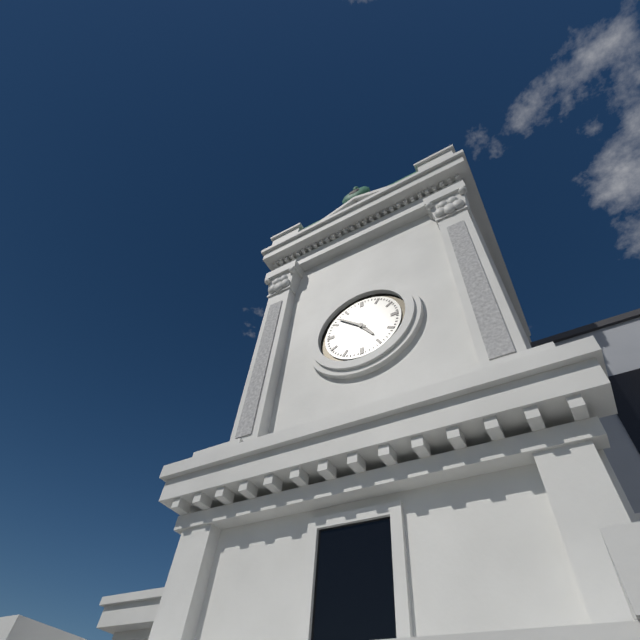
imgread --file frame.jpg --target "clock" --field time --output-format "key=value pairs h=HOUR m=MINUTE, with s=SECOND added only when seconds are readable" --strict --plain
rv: h=4 m=52
